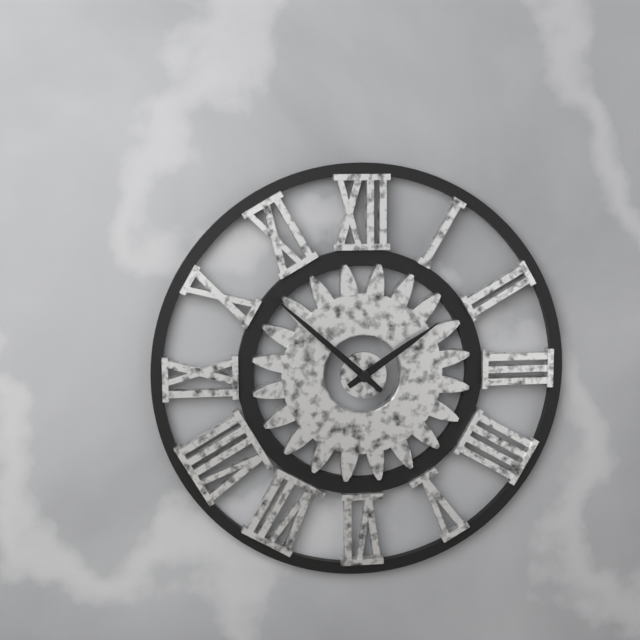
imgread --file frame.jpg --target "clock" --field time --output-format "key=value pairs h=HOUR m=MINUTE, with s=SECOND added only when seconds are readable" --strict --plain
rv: h=1 m=52
